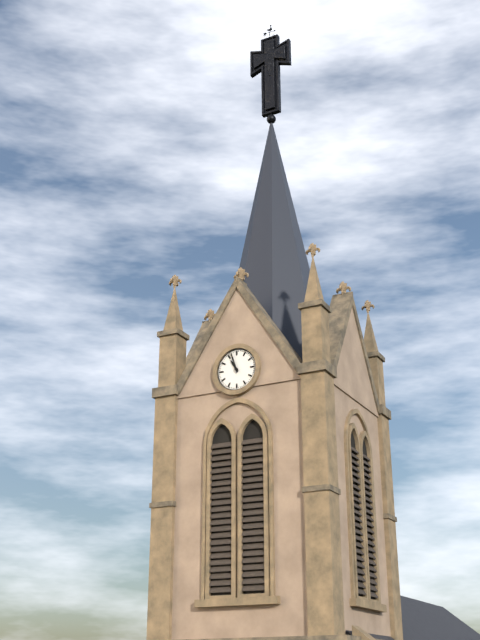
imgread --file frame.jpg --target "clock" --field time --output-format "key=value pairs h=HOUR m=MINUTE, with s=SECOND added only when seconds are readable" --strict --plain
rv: h=10 m=57
